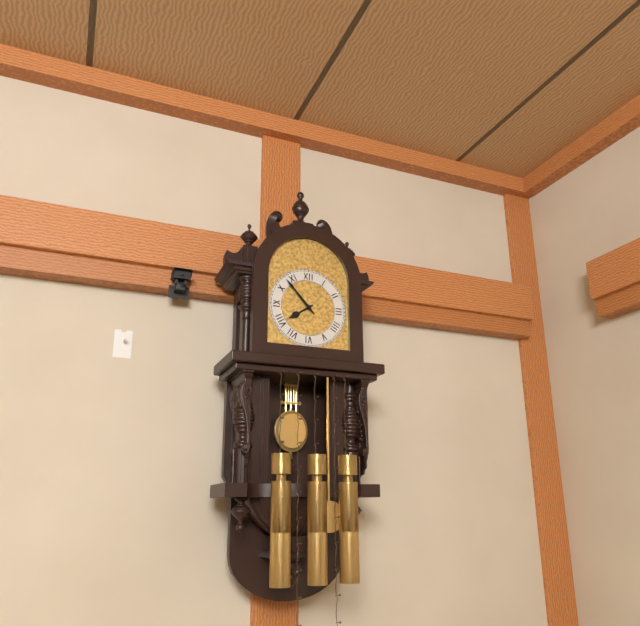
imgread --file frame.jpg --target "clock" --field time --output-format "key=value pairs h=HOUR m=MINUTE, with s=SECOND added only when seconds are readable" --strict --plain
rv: h=7 m=53
